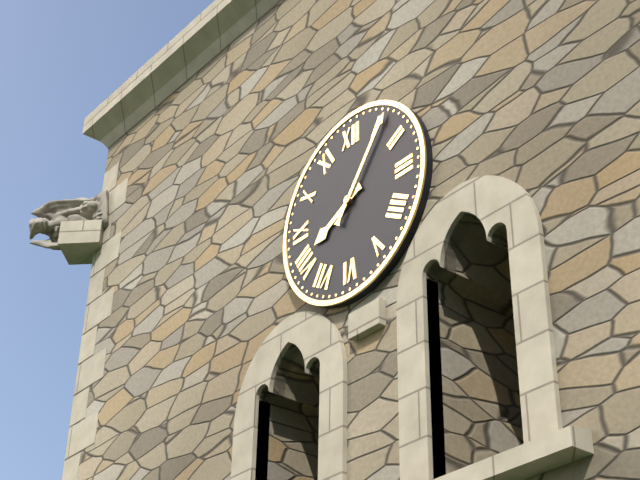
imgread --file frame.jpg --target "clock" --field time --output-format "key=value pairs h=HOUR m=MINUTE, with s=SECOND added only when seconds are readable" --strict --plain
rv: h=8 m=6
